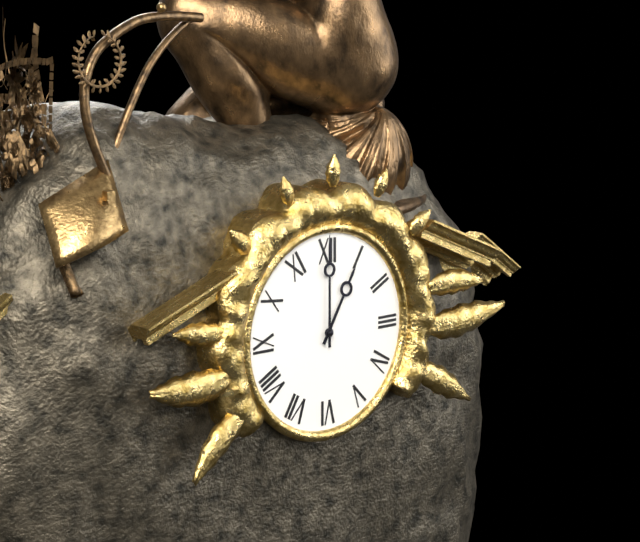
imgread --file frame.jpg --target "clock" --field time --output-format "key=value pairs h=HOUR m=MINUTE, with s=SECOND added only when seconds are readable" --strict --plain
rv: h=1 m=0
